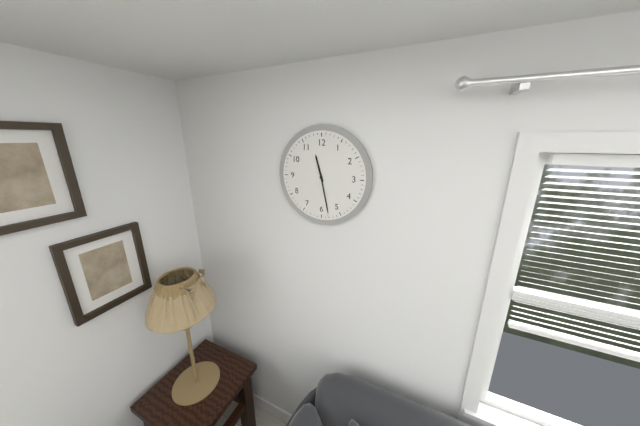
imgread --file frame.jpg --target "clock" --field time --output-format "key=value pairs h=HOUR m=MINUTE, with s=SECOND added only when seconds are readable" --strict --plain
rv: h=11 m=28
